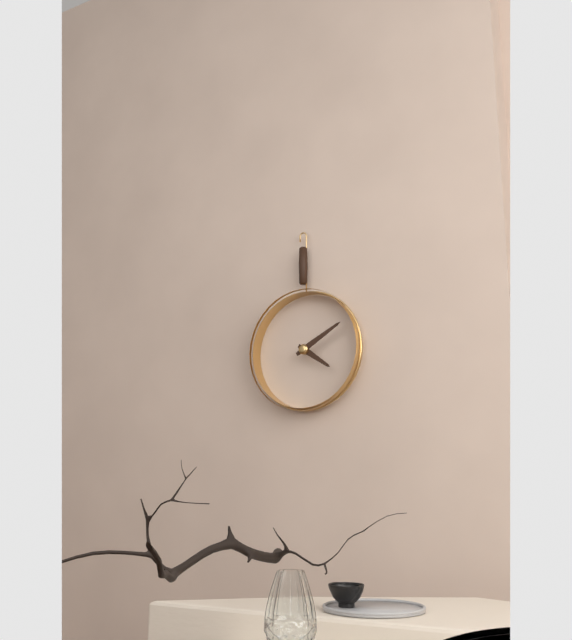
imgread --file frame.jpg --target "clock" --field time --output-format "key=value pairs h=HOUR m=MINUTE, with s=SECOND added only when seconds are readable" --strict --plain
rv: h=4 m=10
